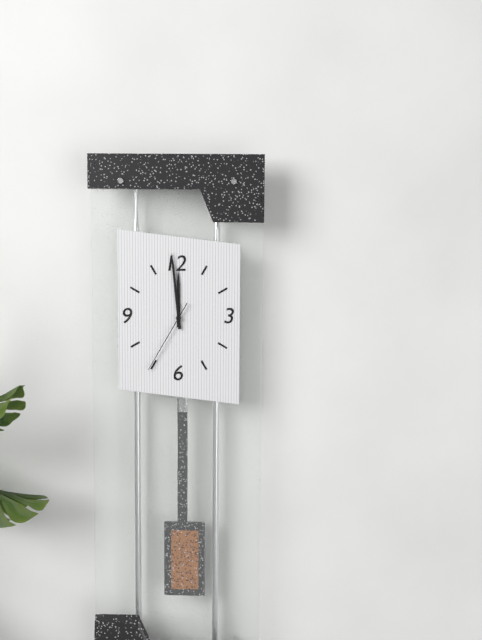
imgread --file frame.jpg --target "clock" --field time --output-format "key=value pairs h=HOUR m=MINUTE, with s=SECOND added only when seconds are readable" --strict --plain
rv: h=11 m=59 s=35
